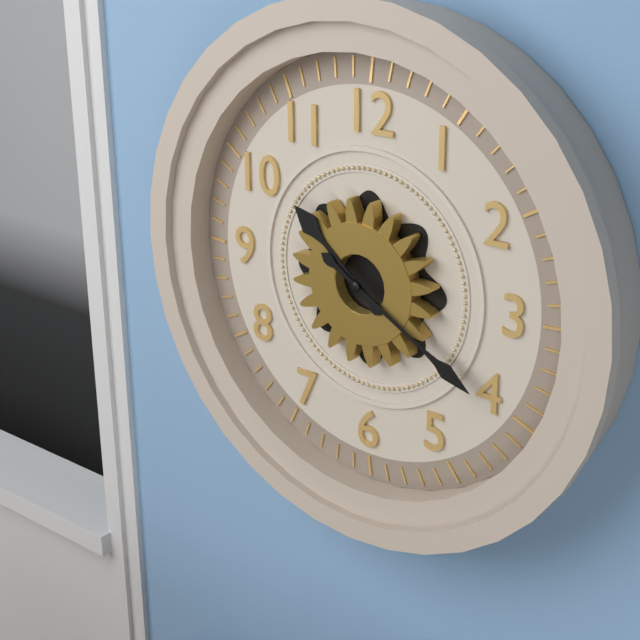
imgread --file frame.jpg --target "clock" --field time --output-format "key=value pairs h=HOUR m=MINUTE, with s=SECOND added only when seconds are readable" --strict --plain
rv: h=10 m=20
